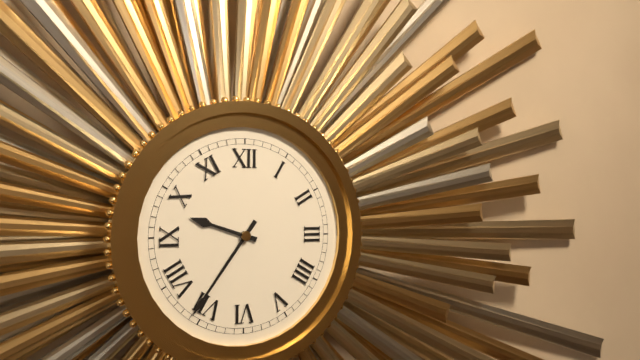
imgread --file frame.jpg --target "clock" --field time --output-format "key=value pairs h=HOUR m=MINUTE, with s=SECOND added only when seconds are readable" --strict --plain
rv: h=9 m=36
